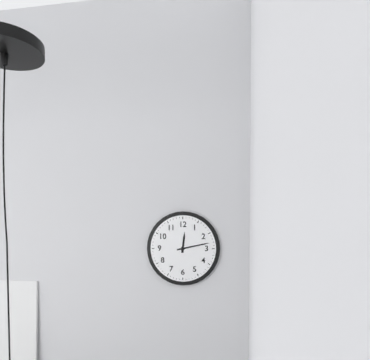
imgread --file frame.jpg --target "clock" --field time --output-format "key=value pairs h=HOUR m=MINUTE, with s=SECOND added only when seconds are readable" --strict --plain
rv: h=12 m=13
